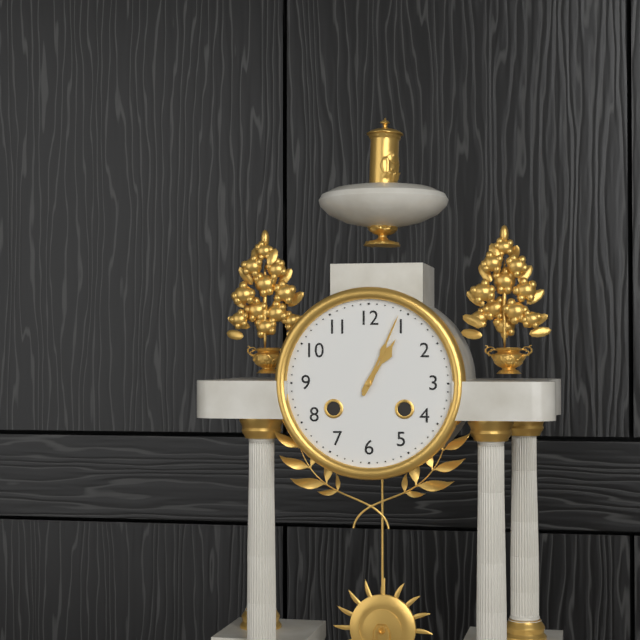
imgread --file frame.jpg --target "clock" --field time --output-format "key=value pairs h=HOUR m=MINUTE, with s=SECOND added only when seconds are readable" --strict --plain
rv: h=1 m=4
